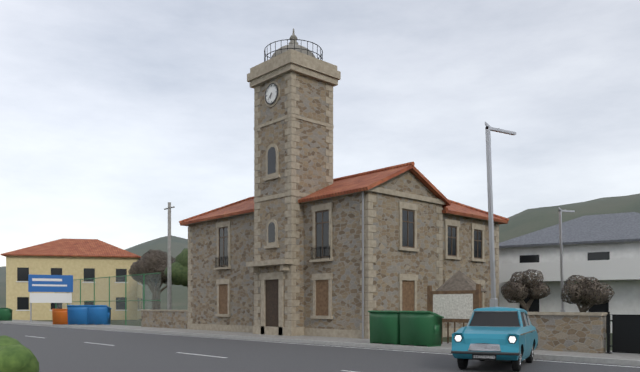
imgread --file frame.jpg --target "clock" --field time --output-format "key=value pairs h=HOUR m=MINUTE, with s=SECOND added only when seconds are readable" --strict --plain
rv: h=6 m=37
